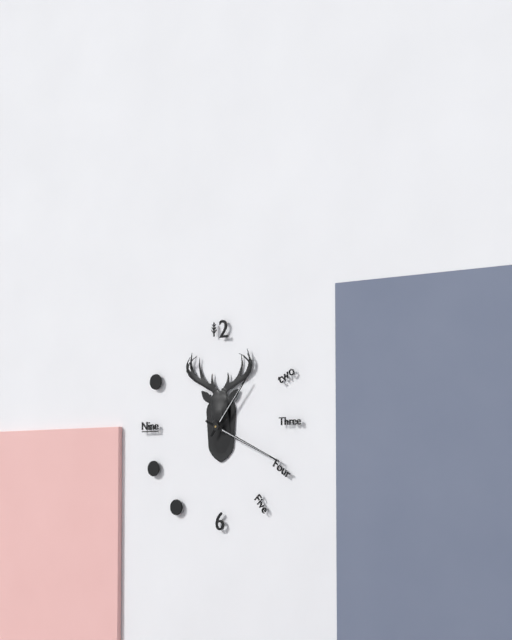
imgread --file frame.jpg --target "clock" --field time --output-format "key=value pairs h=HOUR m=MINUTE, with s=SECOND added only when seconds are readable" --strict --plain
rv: h=1 m=19
